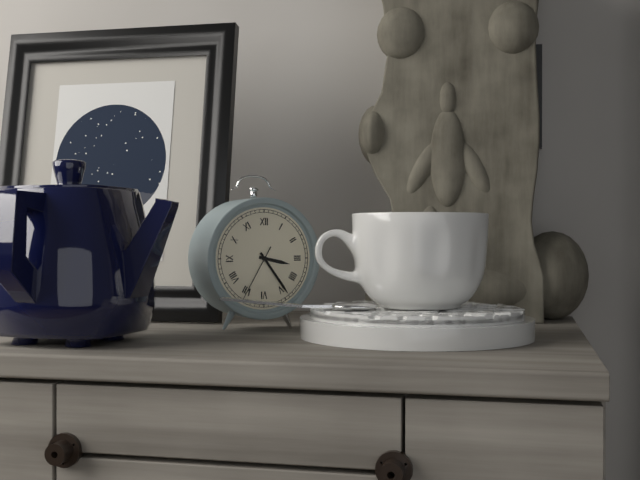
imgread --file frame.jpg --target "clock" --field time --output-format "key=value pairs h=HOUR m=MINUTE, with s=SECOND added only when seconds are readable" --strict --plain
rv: h=3 m=24 s=35
